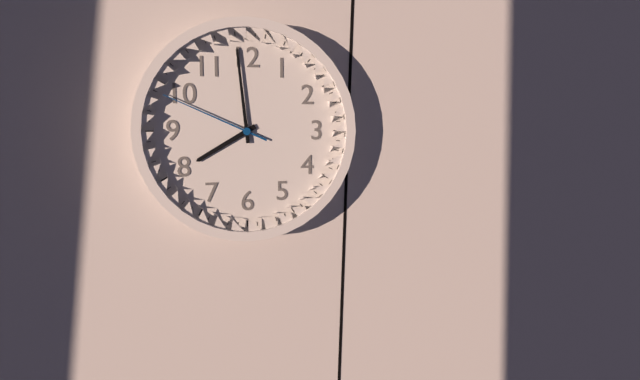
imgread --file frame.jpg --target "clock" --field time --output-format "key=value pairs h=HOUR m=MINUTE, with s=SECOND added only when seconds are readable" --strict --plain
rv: h=7 m=59 s=49
